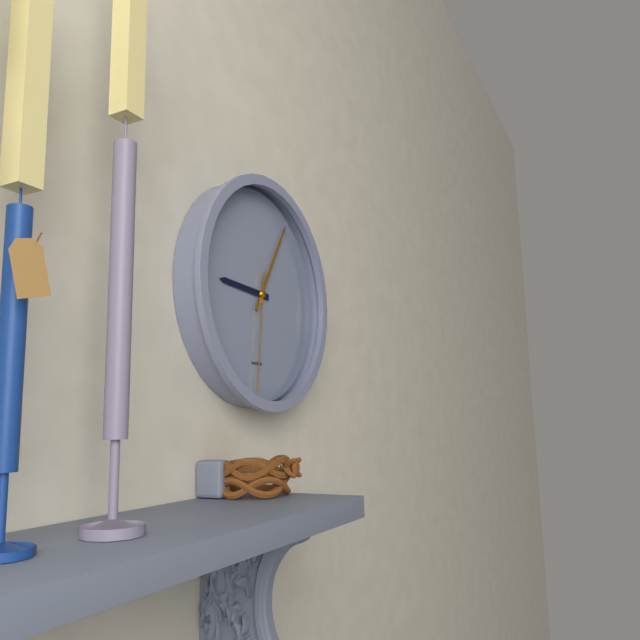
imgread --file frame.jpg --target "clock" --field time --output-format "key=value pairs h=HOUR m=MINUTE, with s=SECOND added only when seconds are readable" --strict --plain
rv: h=9 m=5 s=31
